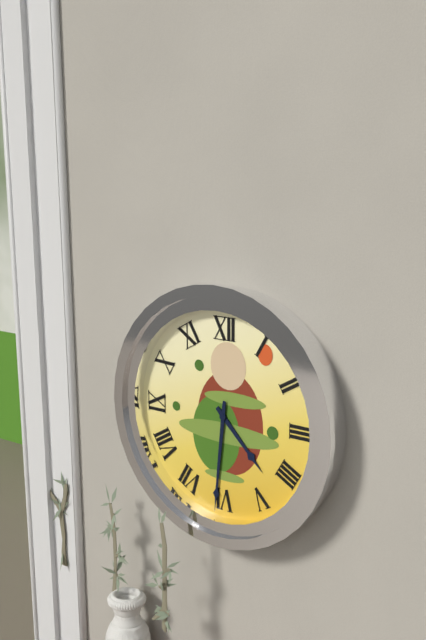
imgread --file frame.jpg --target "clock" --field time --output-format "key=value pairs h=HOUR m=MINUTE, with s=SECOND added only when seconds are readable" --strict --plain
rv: h=4 m=31
